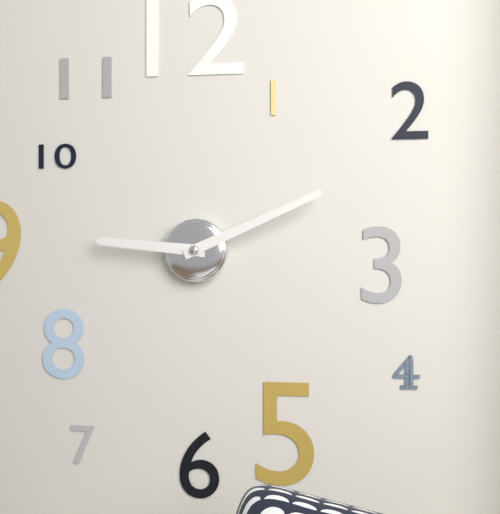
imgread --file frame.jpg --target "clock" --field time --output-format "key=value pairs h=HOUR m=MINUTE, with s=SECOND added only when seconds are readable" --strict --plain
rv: h=9 m=11
